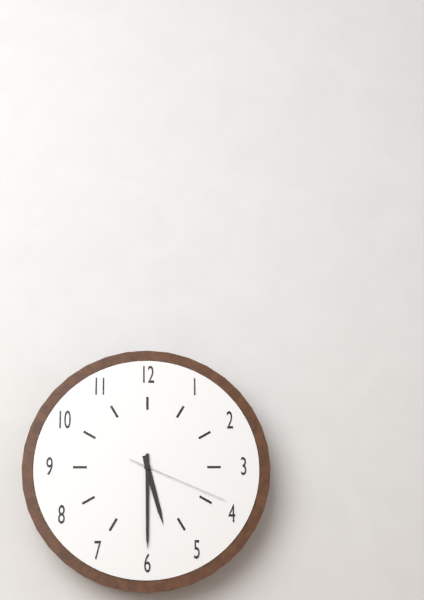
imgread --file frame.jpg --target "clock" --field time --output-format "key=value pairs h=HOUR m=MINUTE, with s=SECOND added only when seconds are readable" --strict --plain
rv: h=5 m=30 s=19
